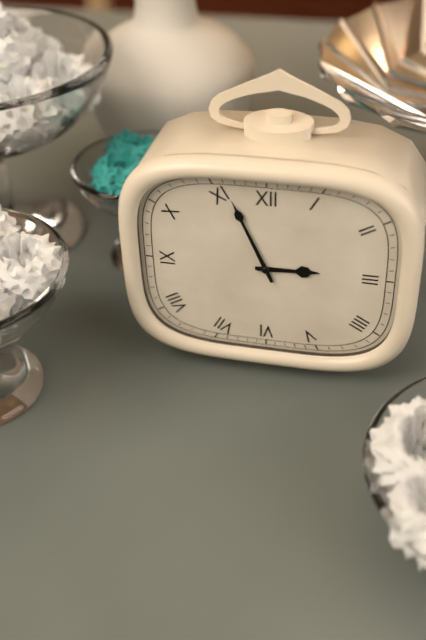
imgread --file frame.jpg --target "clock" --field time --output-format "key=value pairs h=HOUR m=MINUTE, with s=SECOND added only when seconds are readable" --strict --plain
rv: h=2 m=56
